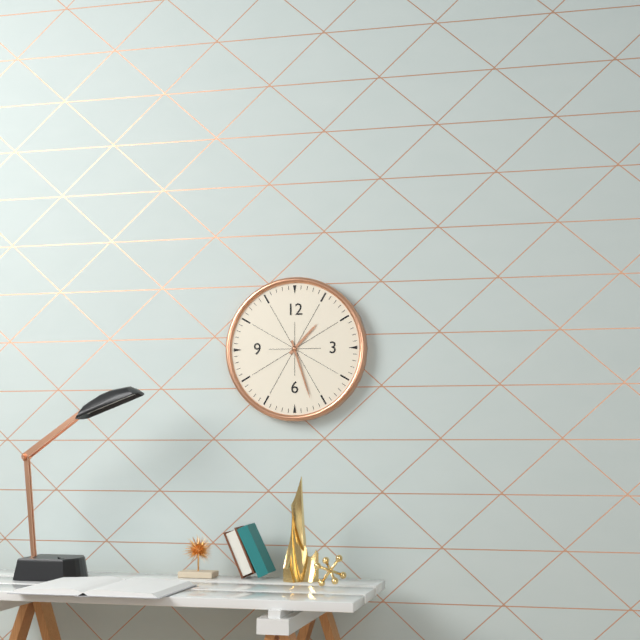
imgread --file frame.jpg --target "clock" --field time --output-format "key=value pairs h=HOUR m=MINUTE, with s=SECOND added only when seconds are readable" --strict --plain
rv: h=1 m=27
